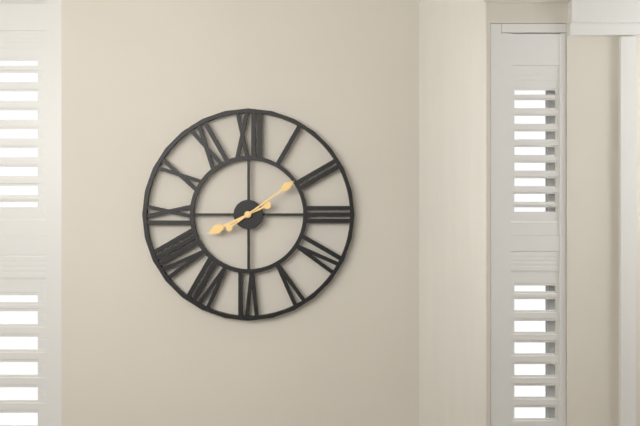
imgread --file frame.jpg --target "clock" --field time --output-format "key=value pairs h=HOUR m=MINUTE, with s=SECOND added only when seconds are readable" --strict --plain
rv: h=8 m=9
